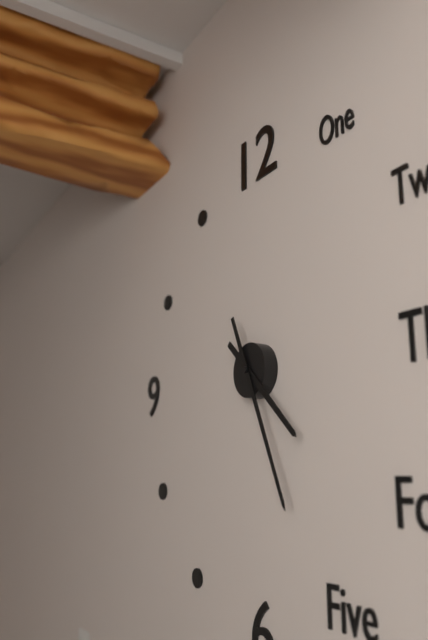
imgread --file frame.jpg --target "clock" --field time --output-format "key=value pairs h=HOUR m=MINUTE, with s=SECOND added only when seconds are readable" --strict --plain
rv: h=4 m=26
